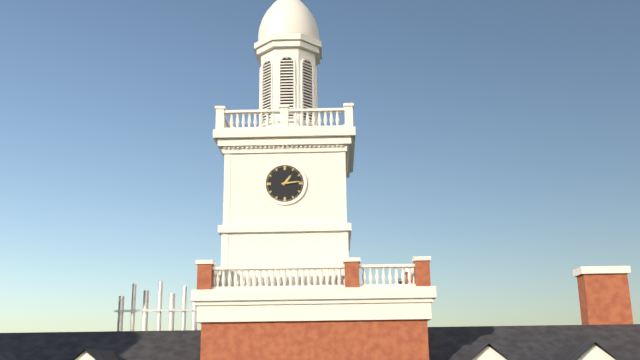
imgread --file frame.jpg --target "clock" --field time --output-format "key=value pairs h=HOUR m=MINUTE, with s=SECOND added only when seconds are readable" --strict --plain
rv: h=1 m=14
